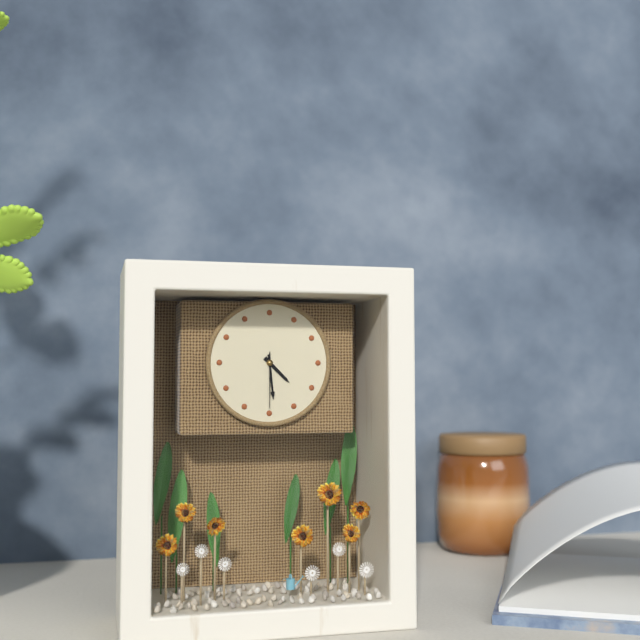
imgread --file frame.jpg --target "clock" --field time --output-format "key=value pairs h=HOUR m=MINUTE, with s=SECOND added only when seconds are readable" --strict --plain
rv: h=4 m=29 s=30
